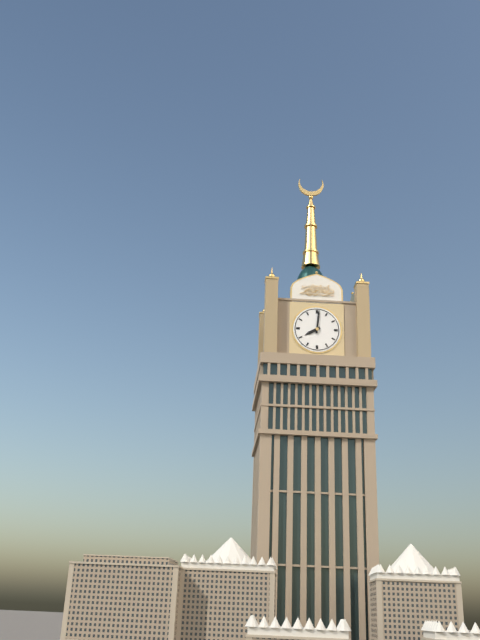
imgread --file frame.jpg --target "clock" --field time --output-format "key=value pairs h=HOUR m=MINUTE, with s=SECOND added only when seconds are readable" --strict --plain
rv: h=8 m=1
